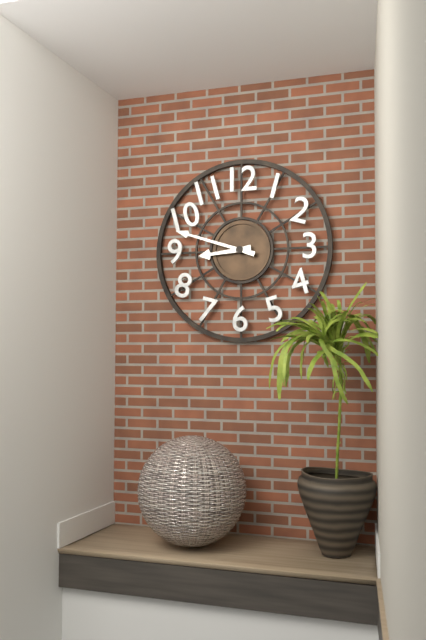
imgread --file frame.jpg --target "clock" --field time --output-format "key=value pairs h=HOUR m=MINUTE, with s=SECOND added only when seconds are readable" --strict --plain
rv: h=8 m=48
